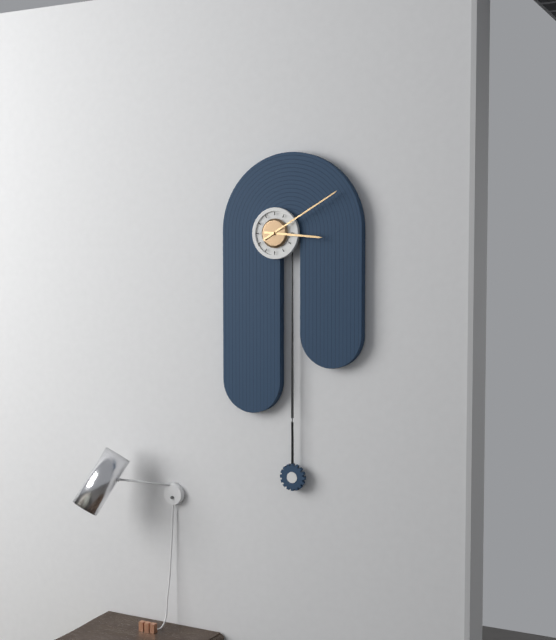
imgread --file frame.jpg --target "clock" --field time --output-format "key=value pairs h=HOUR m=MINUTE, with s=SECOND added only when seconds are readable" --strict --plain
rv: h=3 m=10
